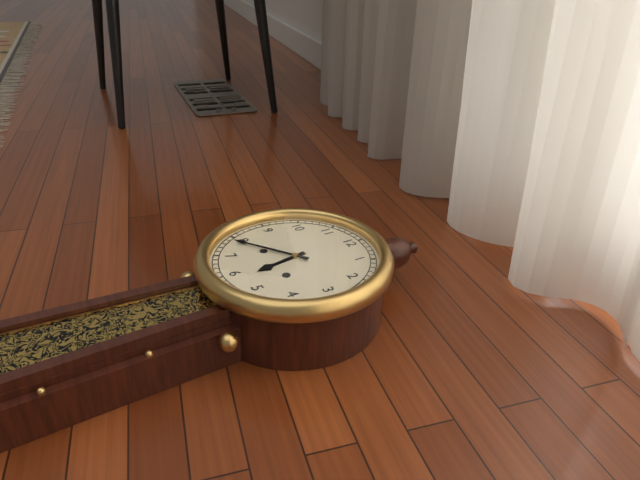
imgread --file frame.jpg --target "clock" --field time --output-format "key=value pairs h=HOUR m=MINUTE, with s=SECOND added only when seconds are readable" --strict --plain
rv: h=5 m=39
